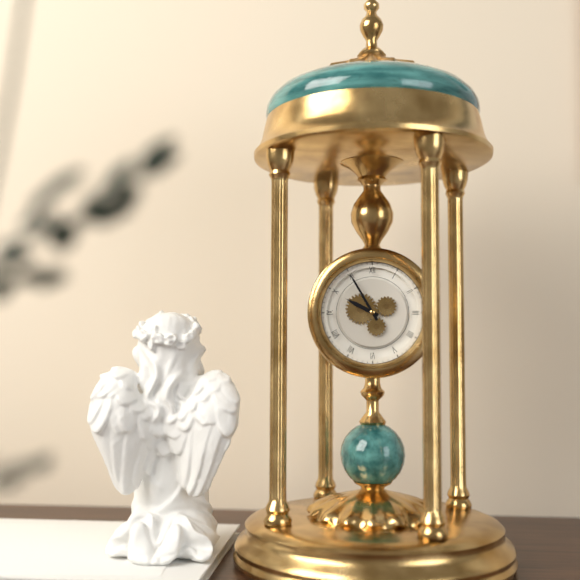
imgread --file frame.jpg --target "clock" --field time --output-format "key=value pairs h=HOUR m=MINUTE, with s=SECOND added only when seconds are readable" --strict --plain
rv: h=9 m=55
